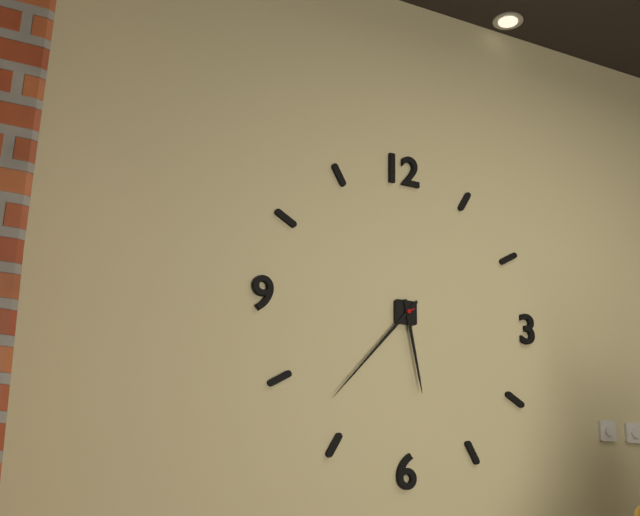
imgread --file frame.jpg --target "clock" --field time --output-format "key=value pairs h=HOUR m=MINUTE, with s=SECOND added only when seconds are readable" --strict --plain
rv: h=5 m=37
